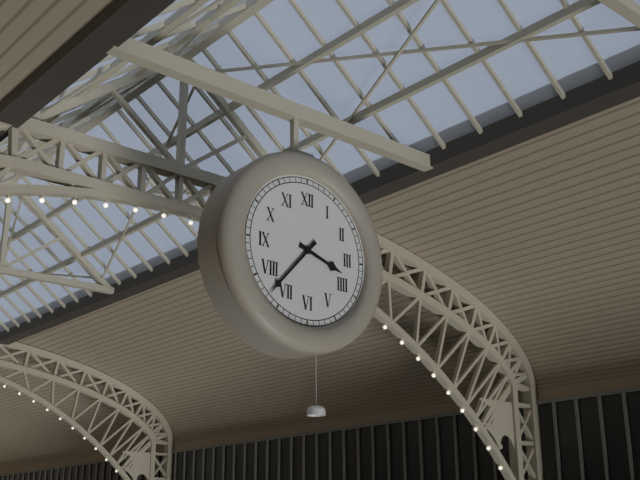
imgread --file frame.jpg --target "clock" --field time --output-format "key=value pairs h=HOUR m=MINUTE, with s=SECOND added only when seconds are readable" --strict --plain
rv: h=3 m=37
